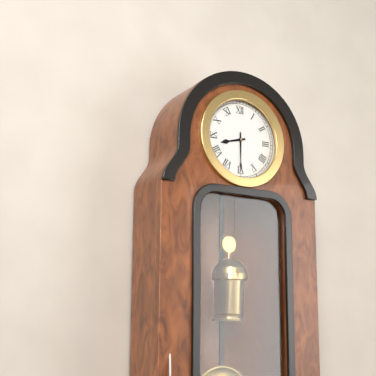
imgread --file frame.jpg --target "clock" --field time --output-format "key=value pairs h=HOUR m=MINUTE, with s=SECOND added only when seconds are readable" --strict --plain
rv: h=8 m=30
